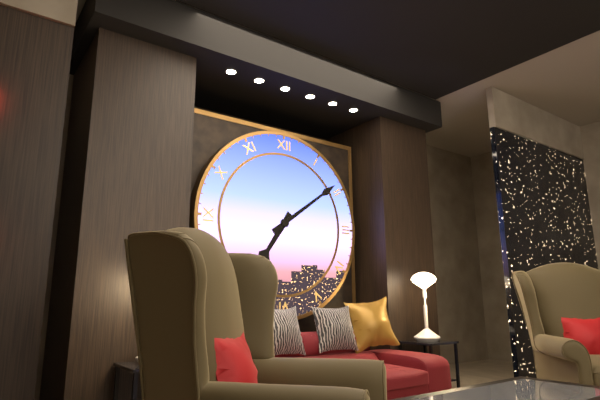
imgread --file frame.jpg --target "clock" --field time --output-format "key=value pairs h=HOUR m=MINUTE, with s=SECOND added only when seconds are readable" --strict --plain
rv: h=7 m=9
